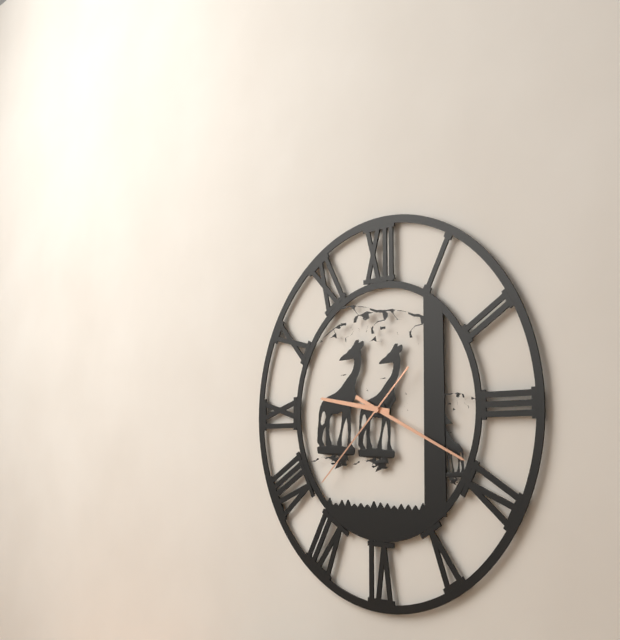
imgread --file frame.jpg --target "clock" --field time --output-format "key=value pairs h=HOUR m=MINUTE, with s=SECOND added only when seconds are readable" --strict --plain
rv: h=9 m=19 s=38
